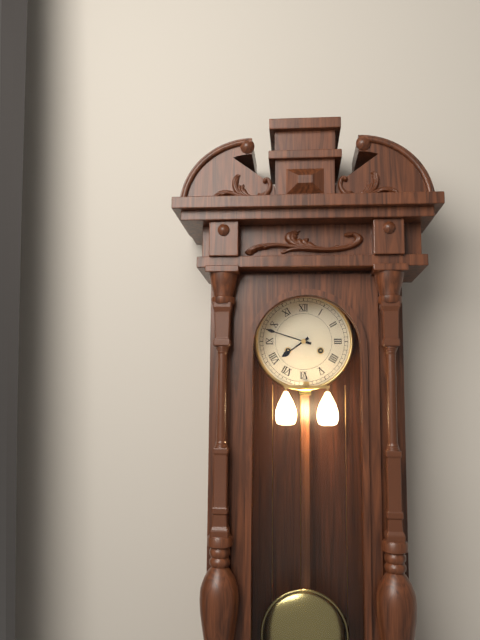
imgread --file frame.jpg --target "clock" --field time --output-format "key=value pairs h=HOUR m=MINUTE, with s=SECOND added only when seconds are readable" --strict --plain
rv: h=7 m=48
